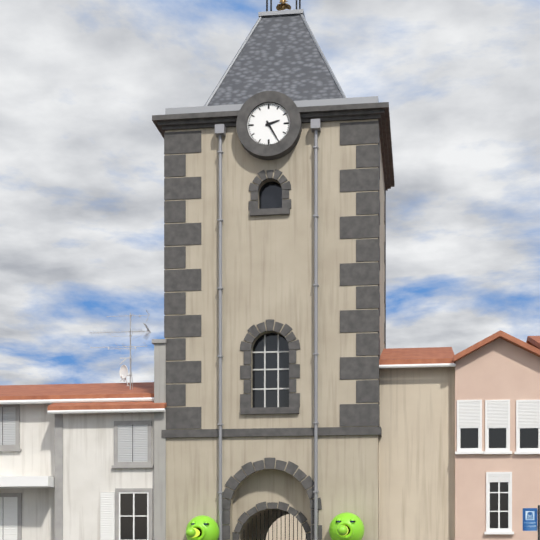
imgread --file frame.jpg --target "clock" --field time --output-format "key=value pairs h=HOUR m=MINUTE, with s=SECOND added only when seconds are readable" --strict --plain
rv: h=2 m=25
